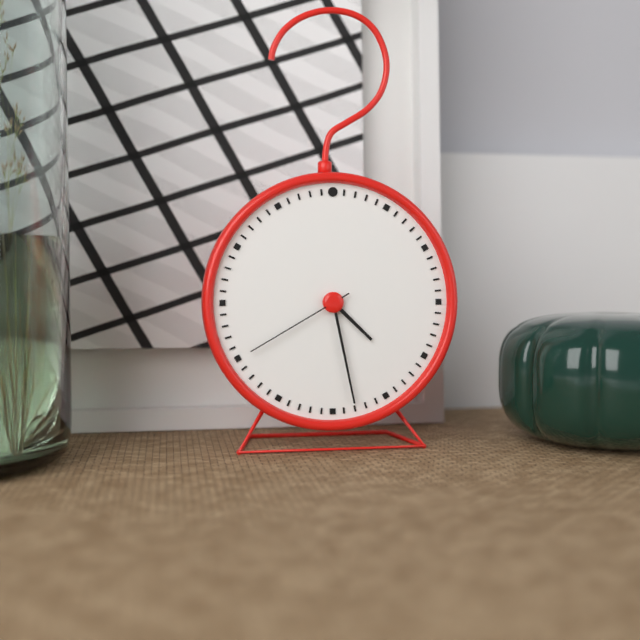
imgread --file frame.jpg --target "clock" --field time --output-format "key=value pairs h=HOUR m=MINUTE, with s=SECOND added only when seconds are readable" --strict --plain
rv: h=4 m=28 s=40
